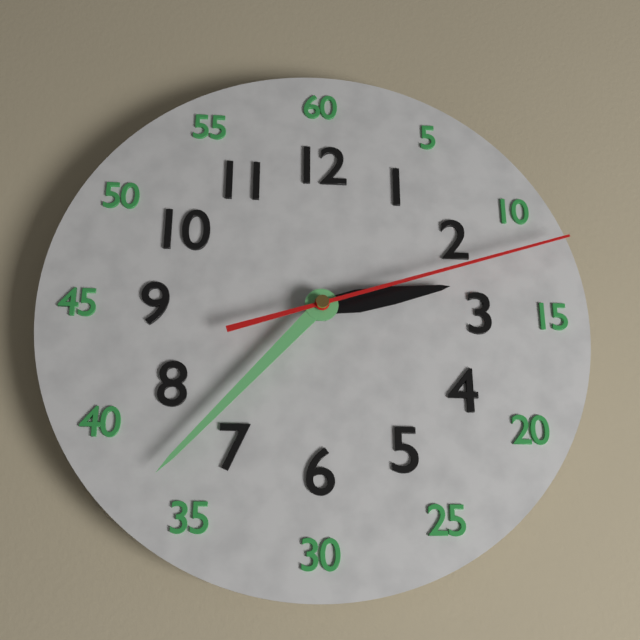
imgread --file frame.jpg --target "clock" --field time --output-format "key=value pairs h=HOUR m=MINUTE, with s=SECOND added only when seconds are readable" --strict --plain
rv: h=2 m=37 s=12
